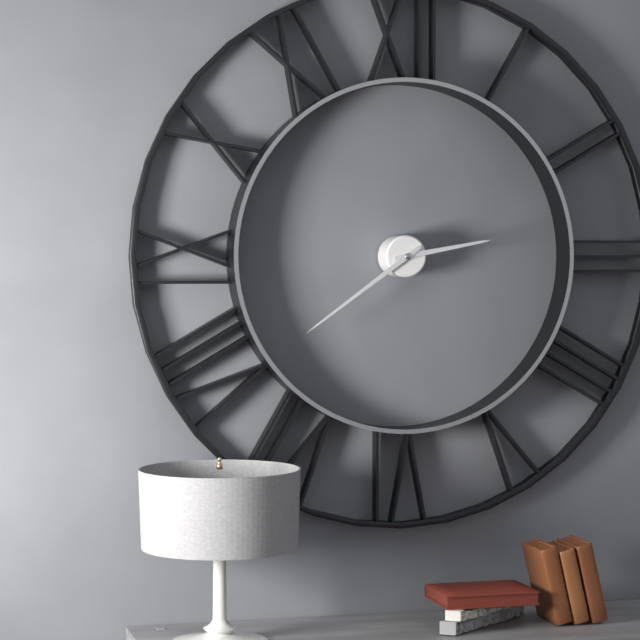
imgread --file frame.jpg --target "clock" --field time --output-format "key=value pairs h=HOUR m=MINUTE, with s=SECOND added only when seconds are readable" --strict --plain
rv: h=2 m=39
